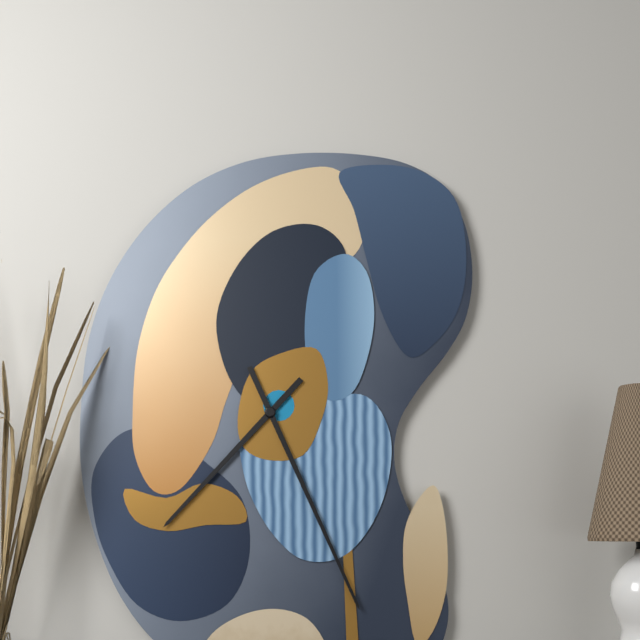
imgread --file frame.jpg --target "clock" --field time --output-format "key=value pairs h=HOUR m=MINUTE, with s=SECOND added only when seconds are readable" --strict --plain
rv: h=7 m=26
